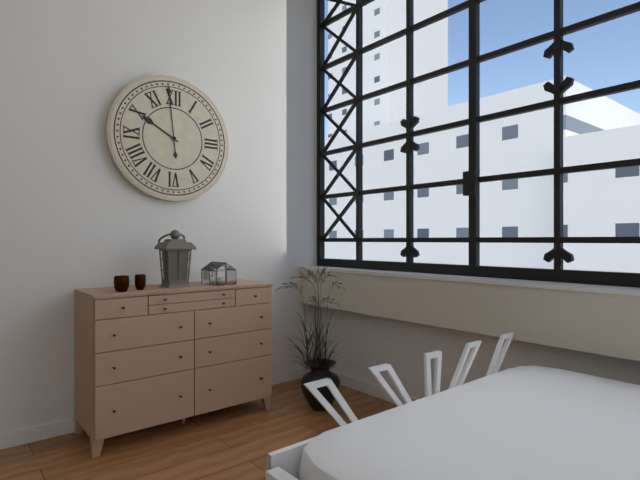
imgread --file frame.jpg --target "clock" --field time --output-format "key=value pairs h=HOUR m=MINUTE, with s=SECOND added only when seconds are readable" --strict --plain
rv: h=9 m=59
